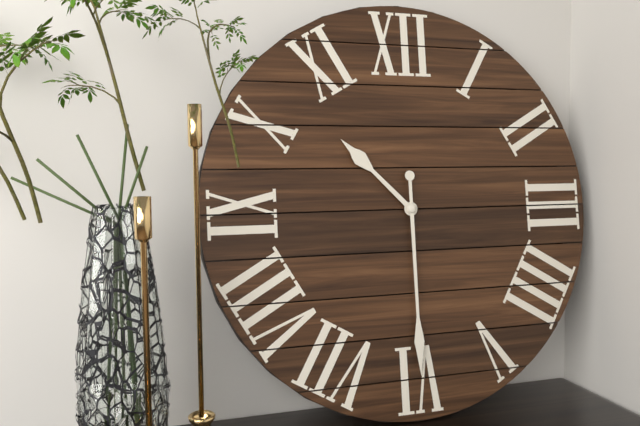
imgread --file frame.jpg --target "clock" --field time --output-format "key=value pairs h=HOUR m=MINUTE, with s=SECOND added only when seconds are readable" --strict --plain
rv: h=10 m=30
